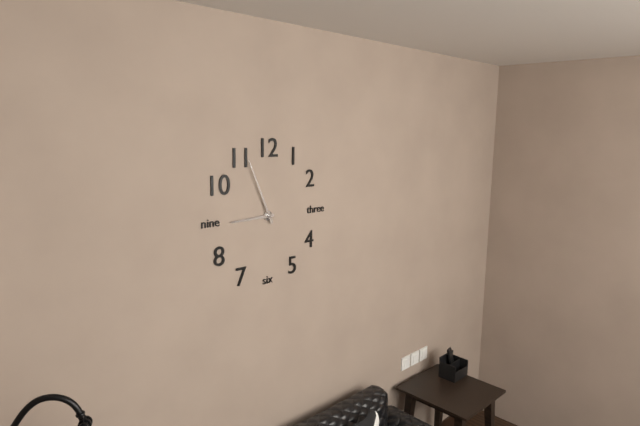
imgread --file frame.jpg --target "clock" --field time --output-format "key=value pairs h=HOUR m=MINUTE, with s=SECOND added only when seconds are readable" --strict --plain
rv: h=8 m=56
